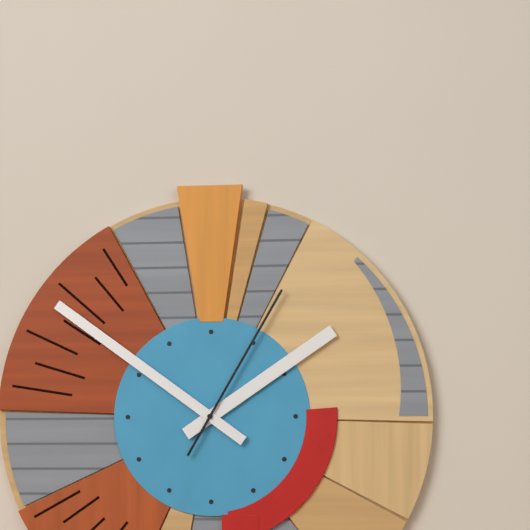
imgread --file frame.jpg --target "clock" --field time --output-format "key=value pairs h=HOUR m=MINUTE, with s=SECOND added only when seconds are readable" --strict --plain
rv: h=1 m=51 s=5
